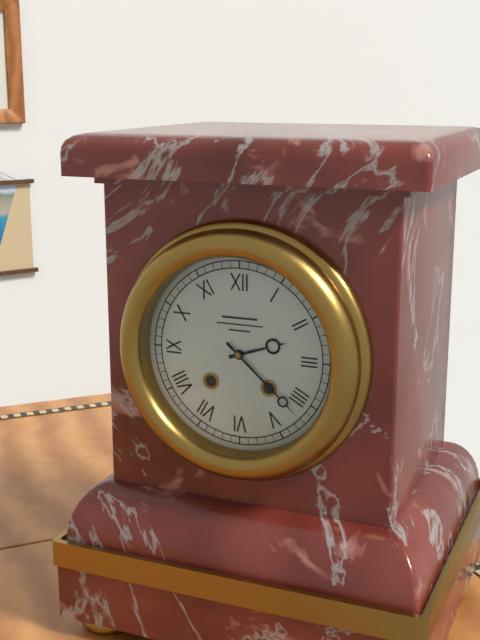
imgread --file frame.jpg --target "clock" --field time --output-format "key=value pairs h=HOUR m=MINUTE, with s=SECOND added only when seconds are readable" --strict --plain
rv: h=2 m=22
